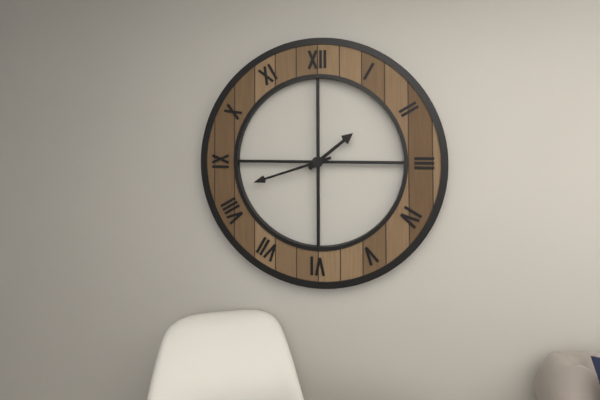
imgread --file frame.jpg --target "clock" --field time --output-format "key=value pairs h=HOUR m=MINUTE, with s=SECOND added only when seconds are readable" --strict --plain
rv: h=1 m=42
